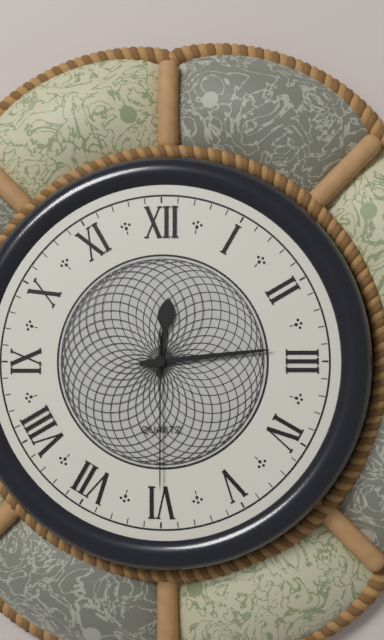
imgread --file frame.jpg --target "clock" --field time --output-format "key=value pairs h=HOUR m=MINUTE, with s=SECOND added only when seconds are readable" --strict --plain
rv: h=12 m=14 s=30
